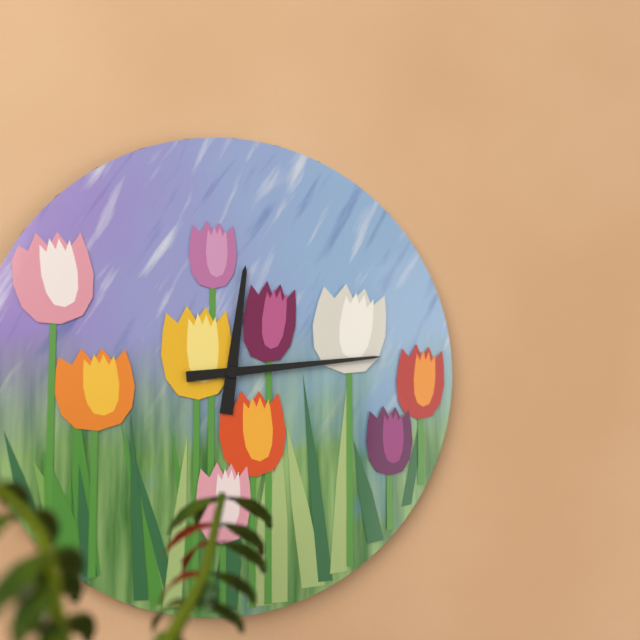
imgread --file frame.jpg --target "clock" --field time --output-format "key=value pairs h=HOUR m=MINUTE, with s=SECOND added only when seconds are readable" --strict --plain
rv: h=12 m=14
